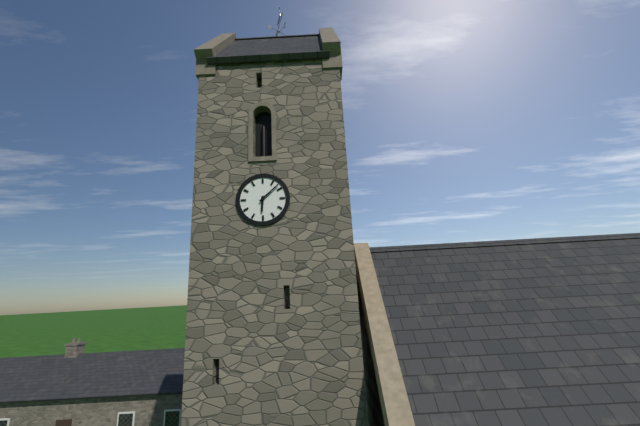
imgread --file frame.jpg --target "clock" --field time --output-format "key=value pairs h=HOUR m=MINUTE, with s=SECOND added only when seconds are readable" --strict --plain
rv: h=6 m=8
